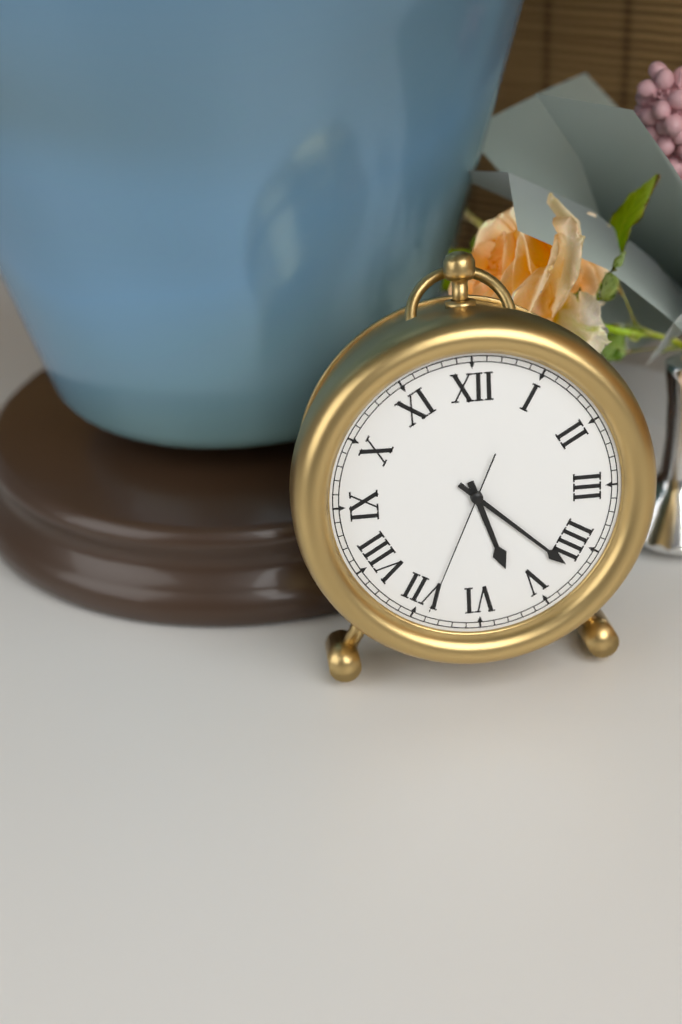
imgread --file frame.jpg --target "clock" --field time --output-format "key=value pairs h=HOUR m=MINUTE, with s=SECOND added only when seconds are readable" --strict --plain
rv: h=5 m=22 s=34
